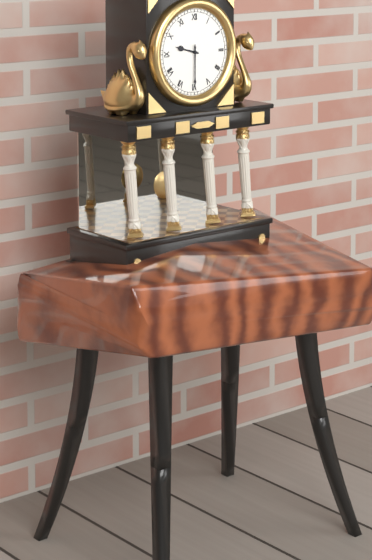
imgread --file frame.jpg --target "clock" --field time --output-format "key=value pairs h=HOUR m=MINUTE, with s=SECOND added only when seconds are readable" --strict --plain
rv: h=9 m=30
